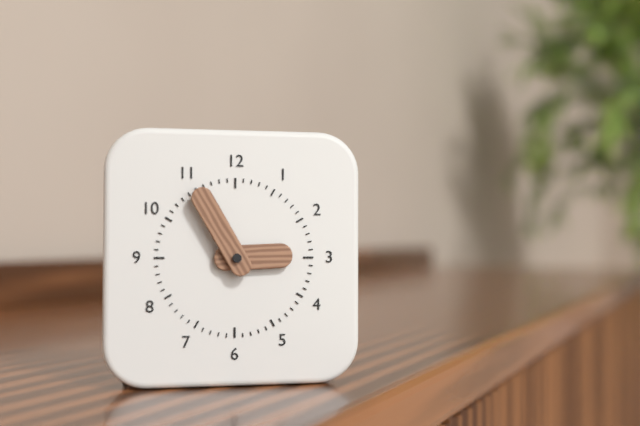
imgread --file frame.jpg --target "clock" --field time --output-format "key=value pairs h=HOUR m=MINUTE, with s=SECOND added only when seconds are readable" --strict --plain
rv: h=2 m=55
